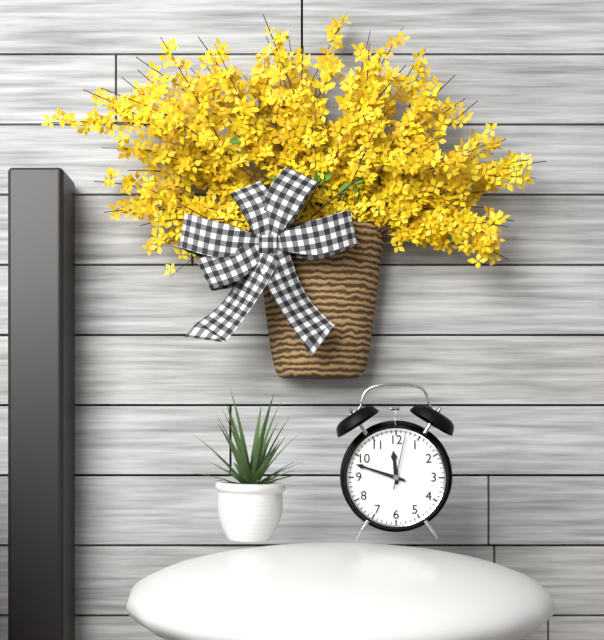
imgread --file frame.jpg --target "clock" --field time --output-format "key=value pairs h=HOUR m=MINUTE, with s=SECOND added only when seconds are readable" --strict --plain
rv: h=11 m=48 s=2
